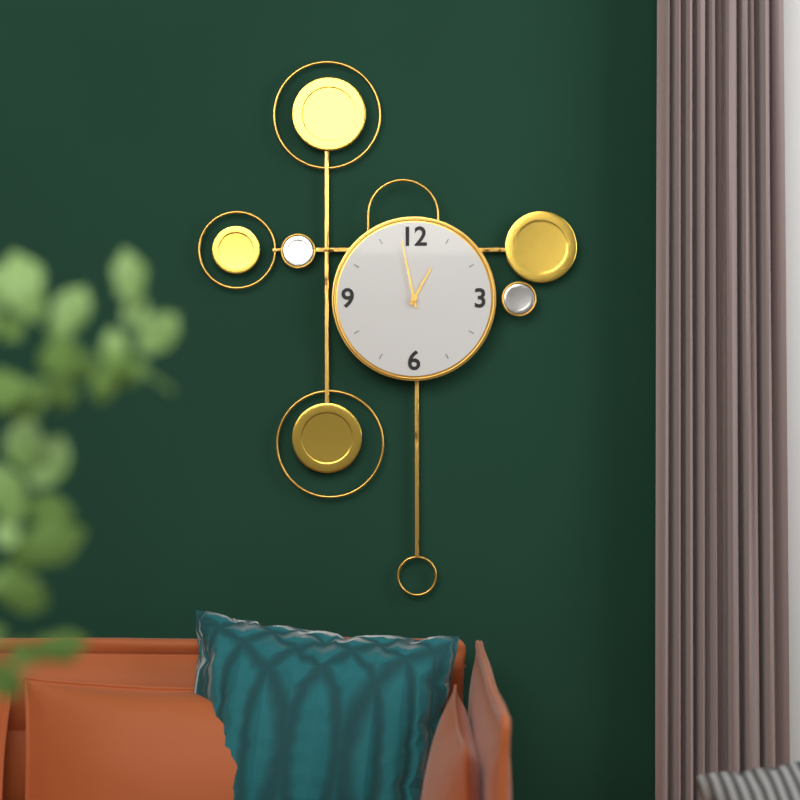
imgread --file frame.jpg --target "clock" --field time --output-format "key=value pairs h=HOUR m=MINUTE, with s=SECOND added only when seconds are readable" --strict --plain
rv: h=12 m=58
